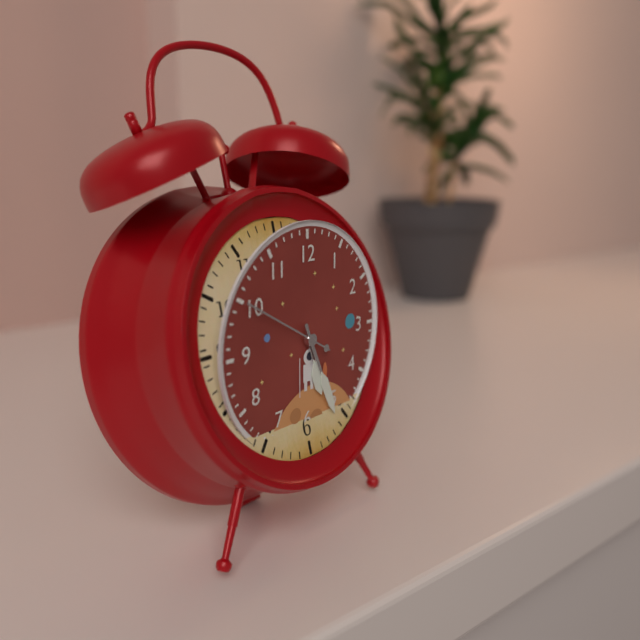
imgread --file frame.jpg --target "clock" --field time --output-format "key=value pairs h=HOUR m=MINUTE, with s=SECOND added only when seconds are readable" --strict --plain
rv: h=5 m=26 s=50
